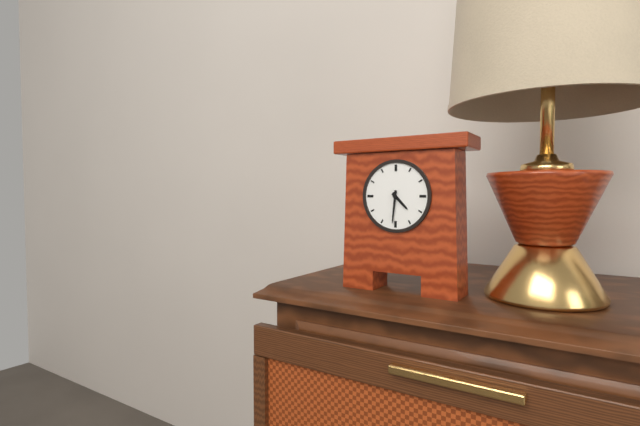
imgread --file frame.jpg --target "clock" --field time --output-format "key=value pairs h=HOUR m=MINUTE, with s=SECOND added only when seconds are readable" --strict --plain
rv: h=4 m=31
